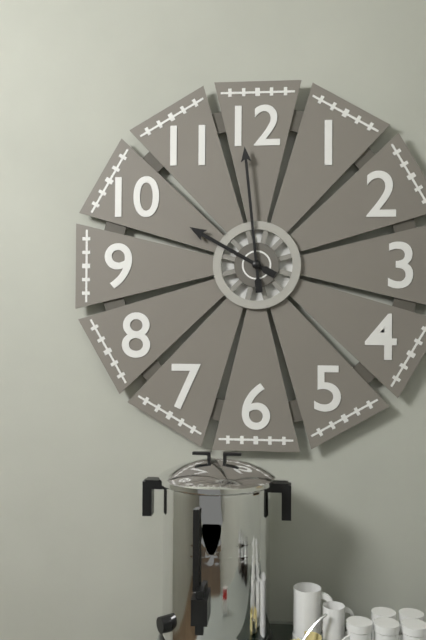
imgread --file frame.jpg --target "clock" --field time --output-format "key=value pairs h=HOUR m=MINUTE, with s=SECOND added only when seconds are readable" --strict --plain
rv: h=9 m=59
